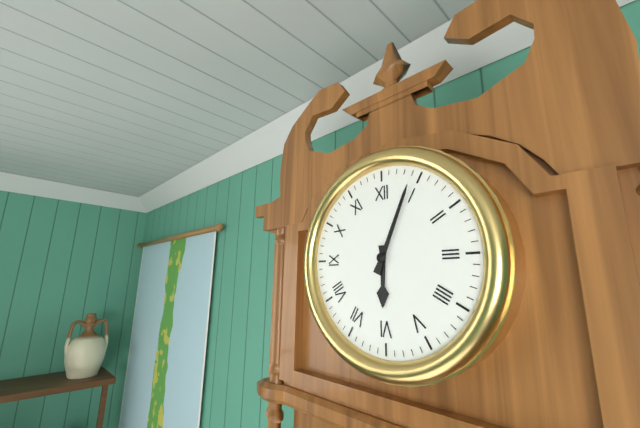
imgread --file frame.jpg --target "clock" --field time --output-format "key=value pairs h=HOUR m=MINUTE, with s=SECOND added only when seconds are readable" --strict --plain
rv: h=6 m=4
